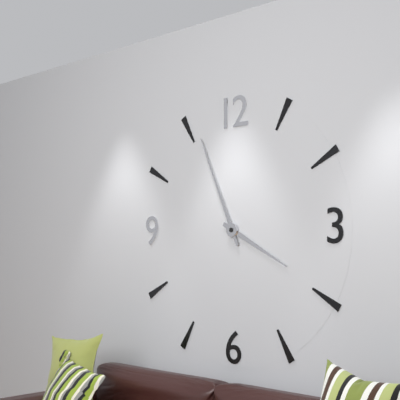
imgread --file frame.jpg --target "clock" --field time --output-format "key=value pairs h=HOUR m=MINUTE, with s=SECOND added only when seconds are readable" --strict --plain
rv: h=3 m=56
